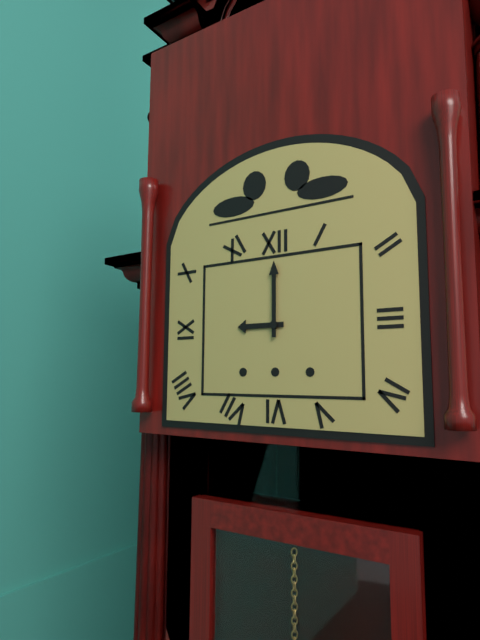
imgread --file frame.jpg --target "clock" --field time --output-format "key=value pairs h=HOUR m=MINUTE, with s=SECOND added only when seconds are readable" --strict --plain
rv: h=9 m=0
